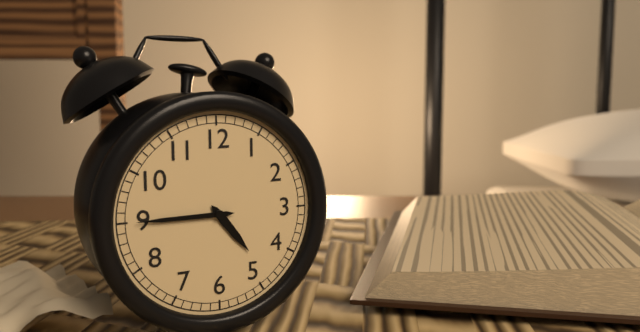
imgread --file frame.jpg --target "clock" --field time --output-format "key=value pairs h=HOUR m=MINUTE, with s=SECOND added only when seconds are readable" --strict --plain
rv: h=4 m=45
